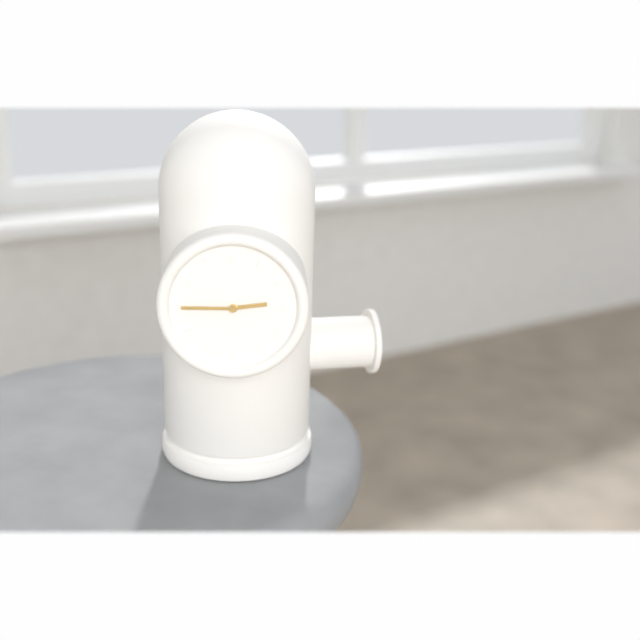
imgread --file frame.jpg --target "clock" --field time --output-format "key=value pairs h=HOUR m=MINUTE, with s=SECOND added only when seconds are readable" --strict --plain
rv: h=2 m=45
